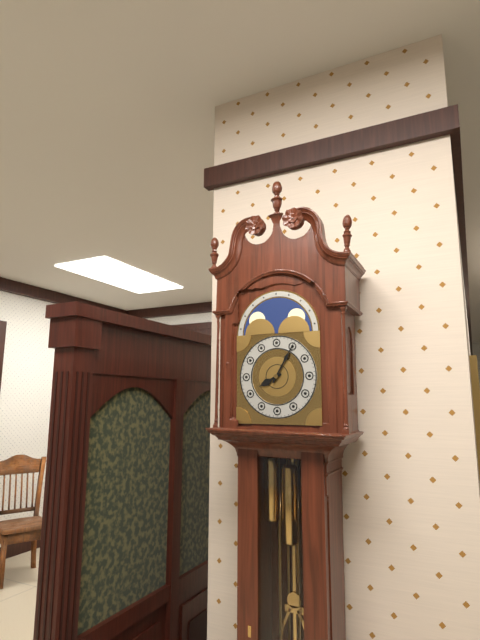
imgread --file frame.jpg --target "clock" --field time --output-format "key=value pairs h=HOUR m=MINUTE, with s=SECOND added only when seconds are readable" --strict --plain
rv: h=8 m=5
